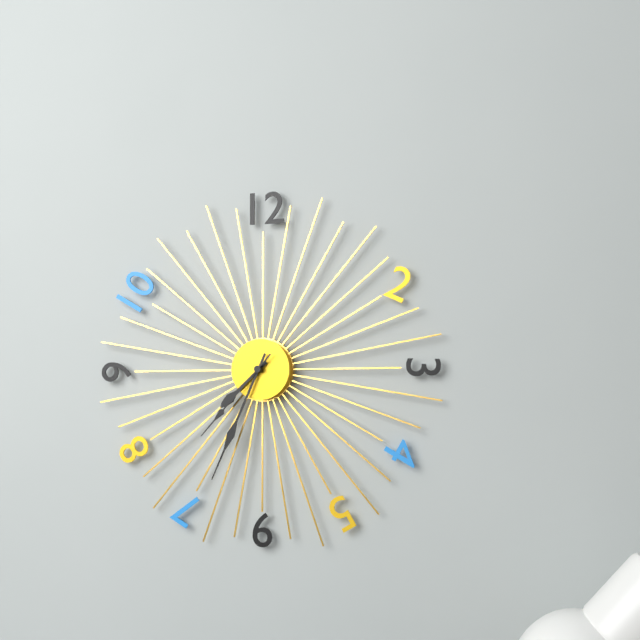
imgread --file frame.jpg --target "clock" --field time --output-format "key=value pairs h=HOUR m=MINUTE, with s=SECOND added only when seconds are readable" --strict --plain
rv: h=7 m=34 s=37
